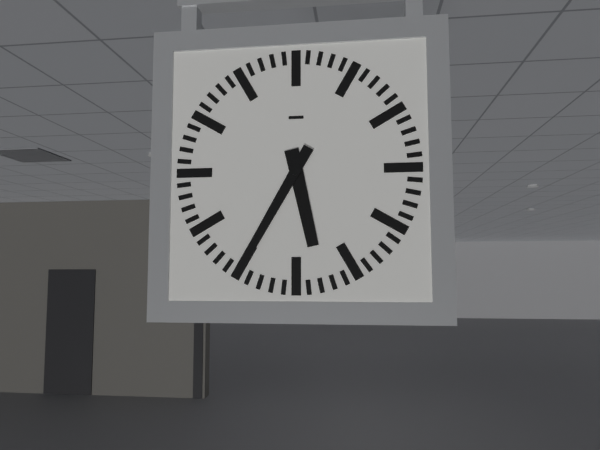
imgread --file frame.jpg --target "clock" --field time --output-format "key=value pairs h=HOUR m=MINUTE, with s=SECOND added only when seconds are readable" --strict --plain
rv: h=5 m=35
